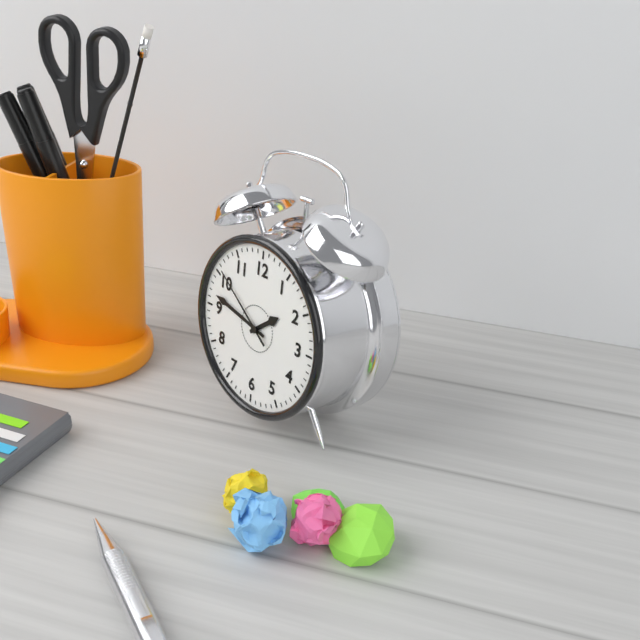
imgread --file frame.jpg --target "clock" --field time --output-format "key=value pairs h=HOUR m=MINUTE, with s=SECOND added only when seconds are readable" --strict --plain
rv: h=1 m=47 s=51
